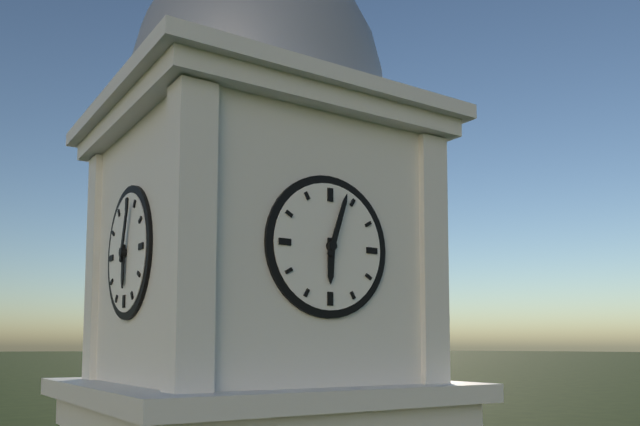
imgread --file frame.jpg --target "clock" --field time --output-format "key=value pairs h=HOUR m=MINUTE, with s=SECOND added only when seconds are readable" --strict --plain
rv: h=6 m=3
